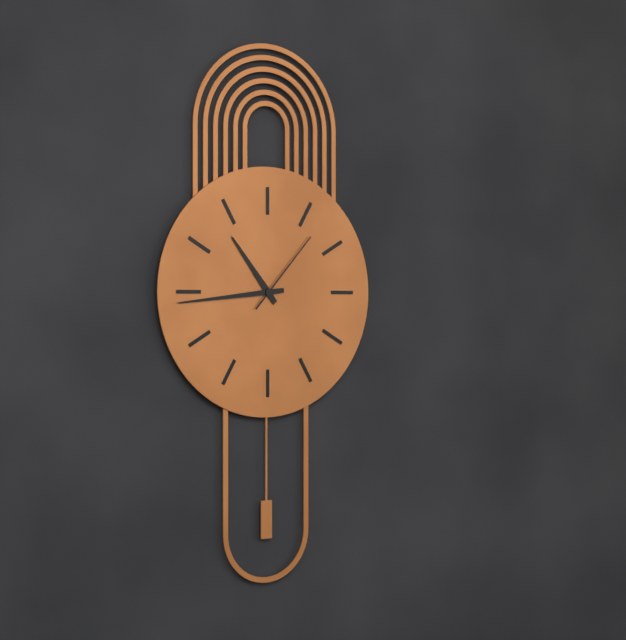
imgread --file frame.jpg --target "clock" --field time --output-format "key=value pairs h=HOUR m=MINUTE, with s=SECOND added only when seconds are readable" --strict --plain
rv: h=10 m=44 s=7
